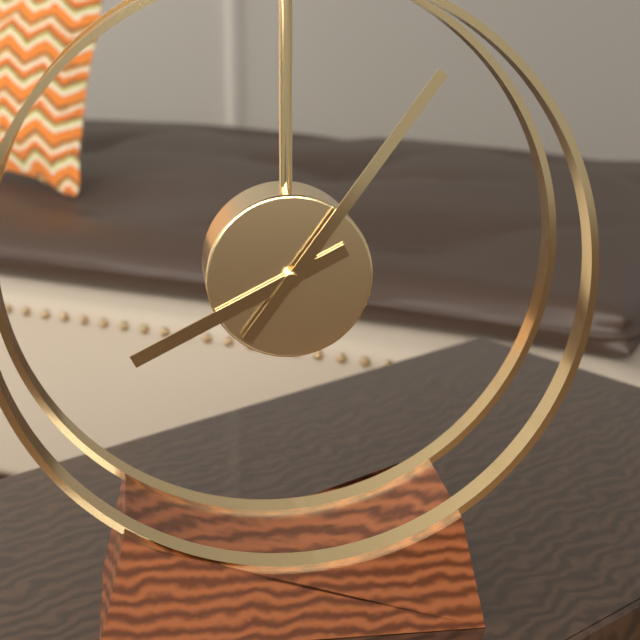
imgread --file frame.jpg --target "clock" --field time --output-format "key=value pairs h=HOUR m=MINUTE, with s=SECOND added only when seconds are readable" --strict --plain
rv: h=8 m=6
